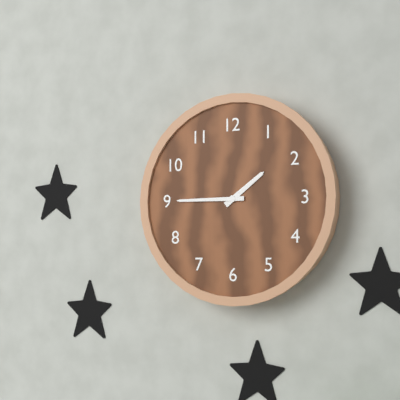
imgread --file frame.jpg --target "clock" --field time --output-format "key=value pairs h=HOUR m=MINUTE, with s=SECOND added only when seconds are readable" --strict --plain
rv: h=1 m=45
